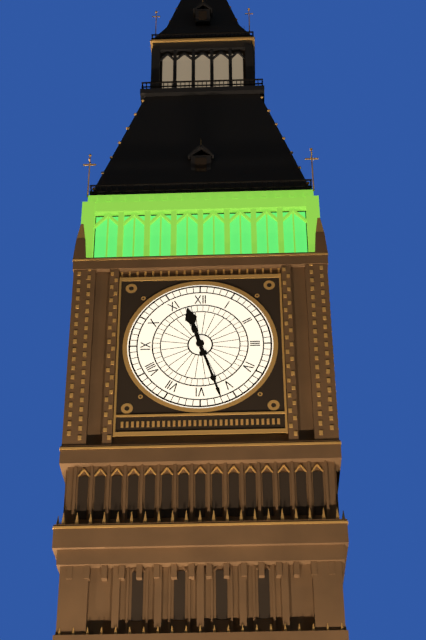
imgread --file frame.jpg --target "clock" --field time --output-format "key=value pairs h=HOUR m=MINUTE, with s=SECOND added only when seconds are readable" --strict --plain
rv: h=11 m=27
